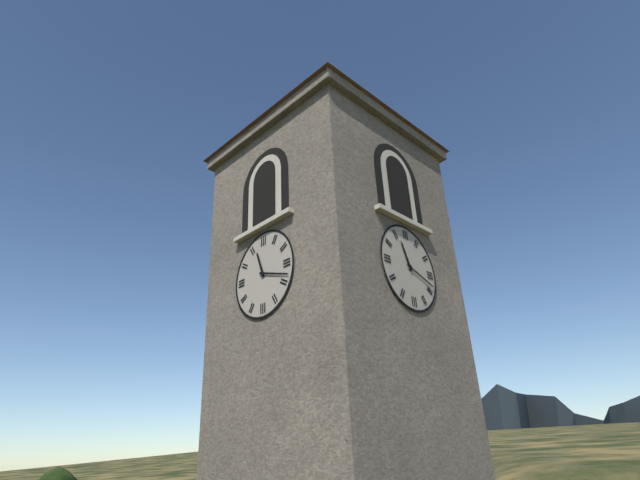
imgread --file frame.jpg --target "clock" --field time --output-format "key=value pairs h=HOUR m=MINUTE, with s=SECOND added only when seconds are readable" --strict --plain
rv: h=11 m=18
